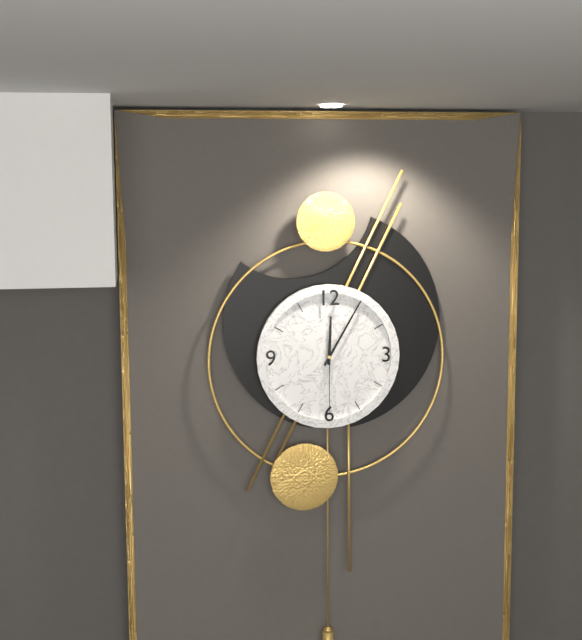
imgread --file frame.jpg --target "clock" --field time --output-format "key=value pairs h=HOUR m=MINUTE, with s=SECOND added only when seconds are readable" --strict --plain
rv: h=12 m=5 s=30
